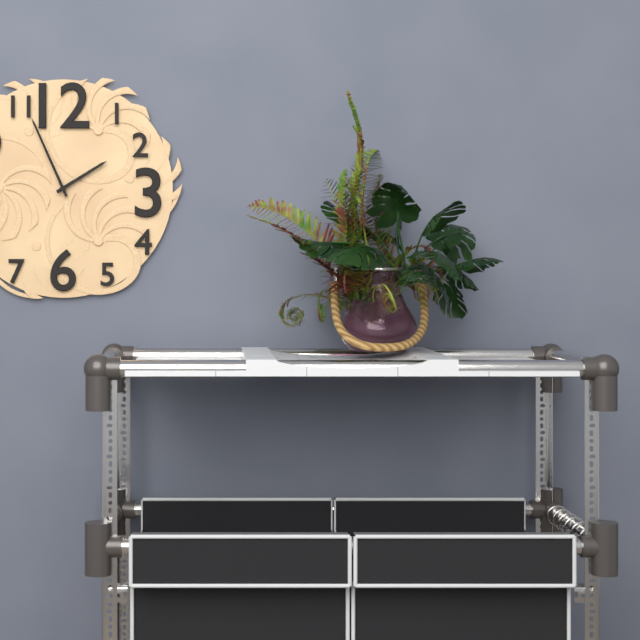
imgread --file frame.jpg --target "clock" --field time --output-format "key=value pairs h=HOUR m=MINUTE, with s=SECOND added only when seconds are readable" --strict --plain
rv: h=1 m=56
